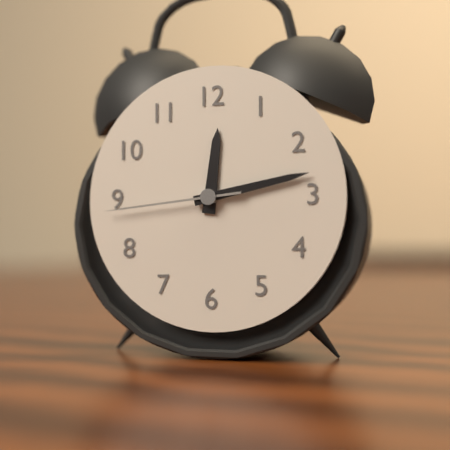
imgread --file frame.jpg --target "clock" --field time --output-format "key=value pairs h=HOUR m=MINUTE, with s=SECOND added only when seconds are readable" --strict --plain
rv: h=12 m=13 s=44
